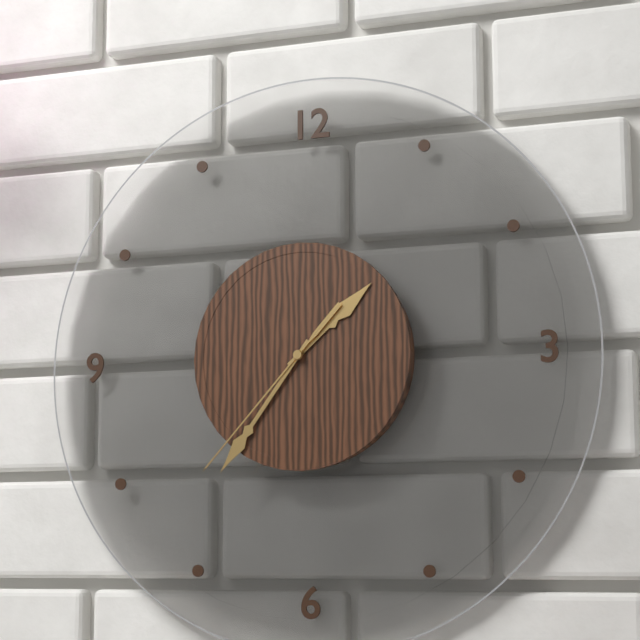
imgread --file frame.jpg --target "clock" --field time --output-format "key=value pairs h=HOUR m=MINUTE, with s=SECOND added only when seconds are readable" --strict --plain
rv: h=1 m=36 s=37
